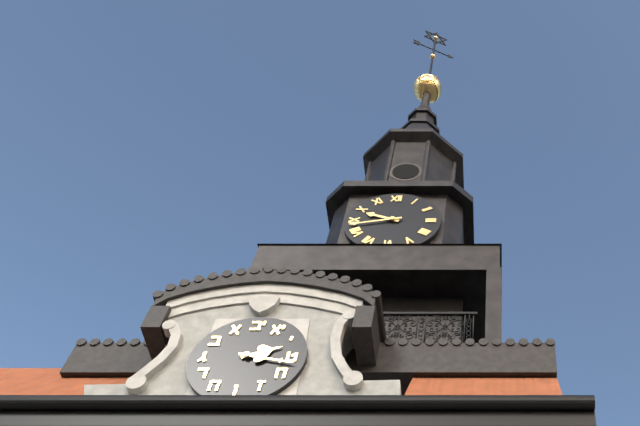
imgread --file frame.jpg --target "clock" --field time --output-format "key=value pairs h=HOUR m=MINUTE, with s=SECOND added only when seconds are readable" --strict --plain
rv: h=9 m=43
